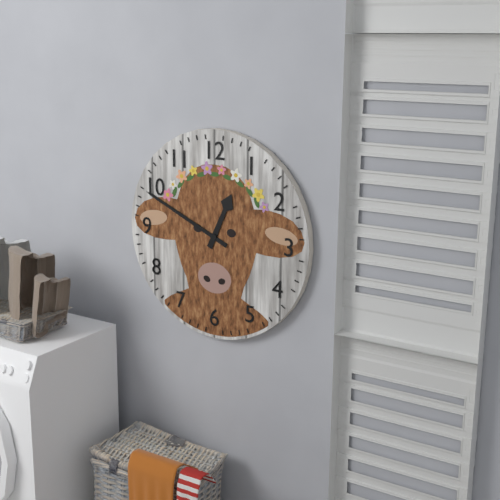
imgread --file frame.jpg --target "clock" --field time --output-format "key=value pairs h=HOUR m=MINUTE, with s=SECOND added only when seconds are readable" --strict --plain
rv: h=12 m=49
